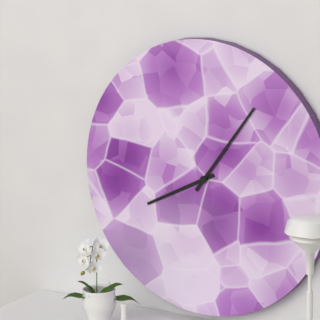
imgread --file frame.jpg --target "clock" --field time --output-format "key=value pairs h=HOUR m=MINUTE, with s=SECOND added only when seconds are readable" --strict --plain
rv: h=8 m=6
